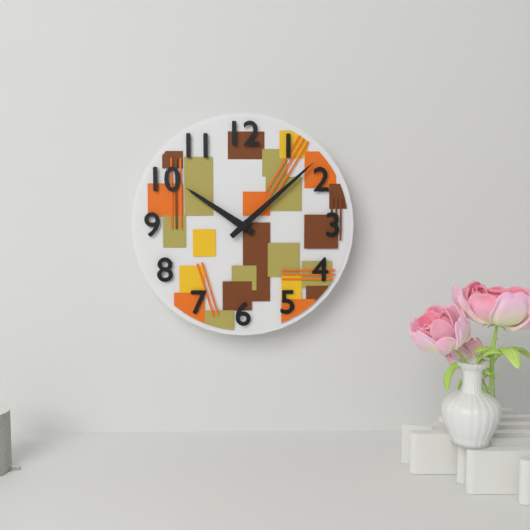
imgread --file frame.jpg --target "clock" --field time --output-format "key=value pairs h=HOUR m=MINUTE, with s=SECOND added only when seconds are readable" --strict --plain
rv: h=10 m=8
